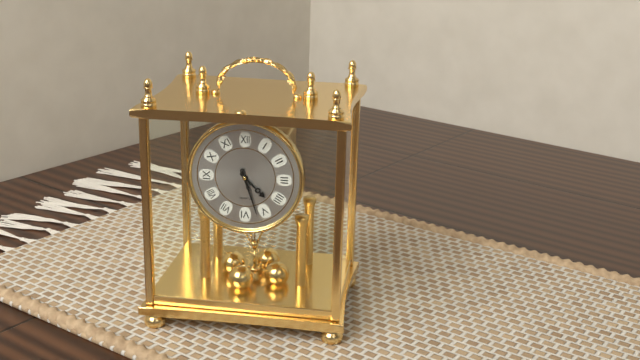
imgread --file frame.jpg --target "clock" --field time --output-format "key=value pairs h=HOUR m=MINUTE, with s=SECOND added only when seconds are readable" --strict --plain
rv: h=4 m=27
